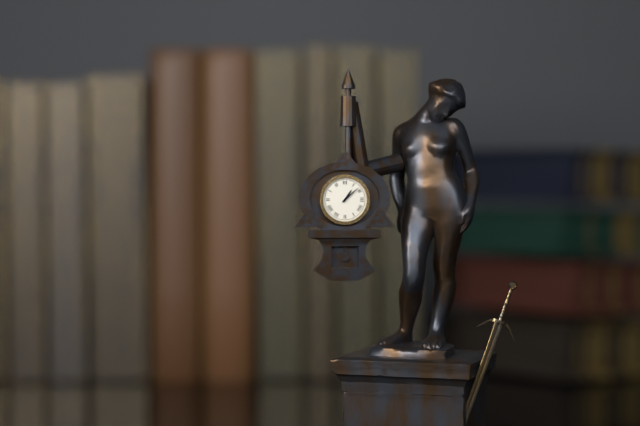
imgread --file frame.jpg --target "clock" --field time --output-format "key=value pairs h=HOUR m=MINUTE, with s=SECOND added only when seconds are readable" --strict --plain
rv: h=1 m=8
